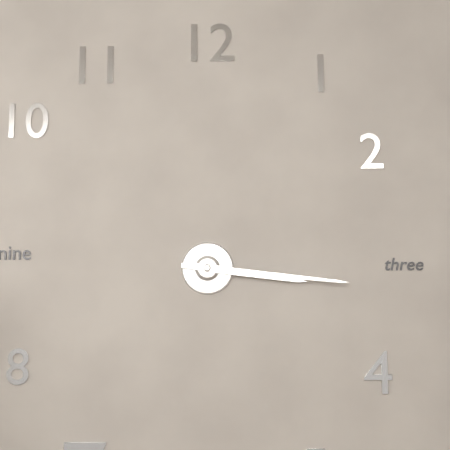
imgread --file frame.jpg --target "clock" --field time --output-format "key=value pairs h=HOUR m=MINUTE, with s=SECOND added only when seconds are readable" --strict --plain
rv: h=3 m=16
